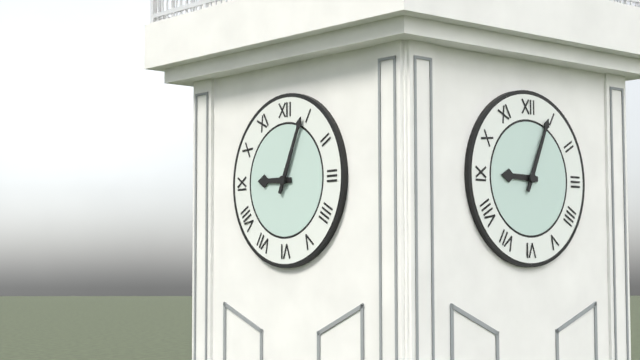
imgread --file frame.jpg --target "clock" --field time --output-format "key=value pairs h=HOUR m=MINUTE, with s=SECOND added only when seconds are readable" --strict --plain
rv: h=9 m=4
